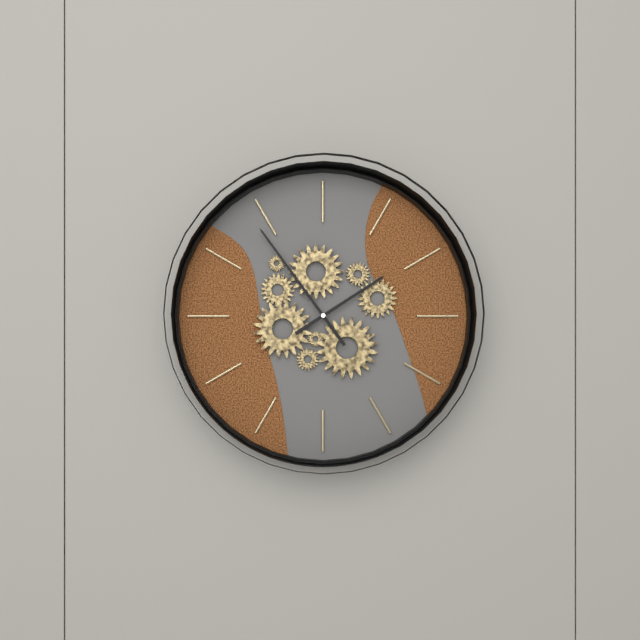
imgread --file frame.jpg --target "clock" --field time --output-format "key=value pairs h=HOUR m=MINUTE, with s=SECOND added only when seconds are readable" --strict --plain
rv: h=1 m=54
